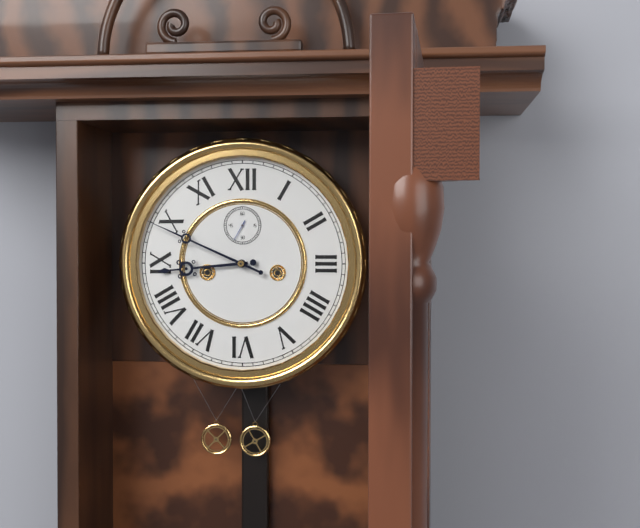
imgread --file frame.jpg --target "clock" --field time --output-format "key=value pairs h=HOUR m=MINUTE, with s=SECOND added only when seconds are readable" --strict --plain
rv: h=8 m=49
